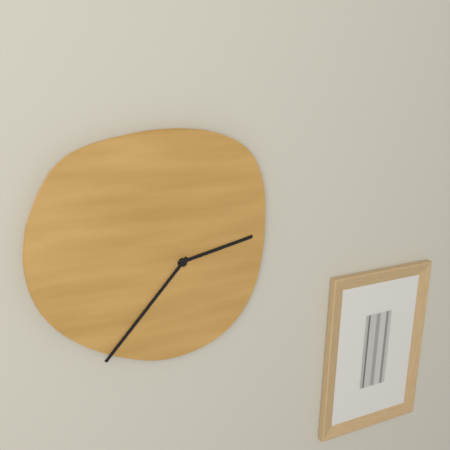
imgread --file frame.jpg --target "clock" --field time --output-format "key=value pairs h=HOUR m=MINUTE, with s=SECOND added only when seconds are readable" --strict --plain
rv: h=2 m=37
